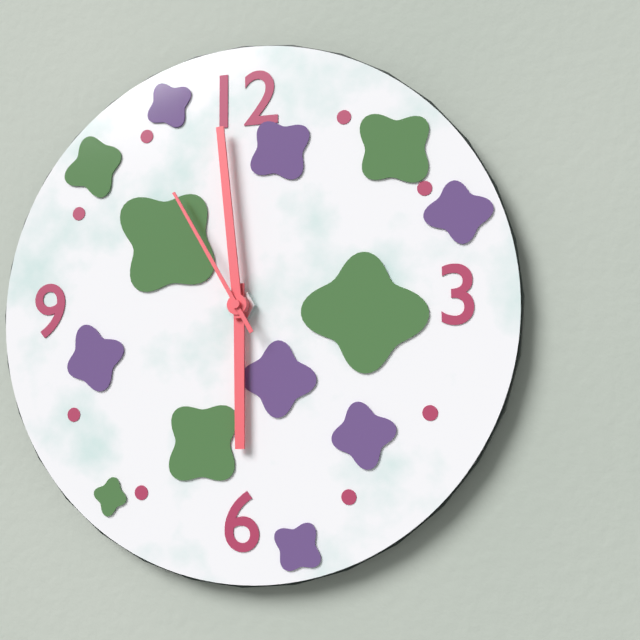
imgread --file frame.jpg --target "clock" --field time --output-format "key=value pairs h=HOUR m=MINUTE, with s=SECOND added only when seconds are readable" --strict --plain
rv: h=5 m=59 s=55
